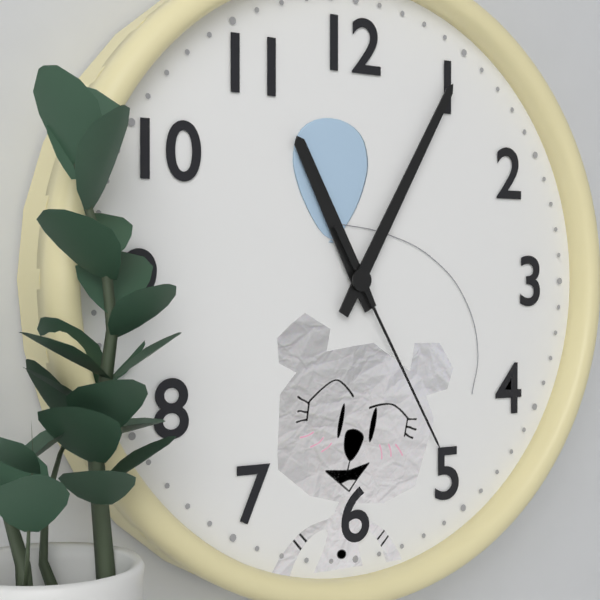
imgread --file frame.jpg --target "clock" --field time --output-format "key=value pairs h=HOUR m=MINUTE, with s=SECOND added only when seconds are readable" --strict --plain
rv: h=11 m=5 s=25
